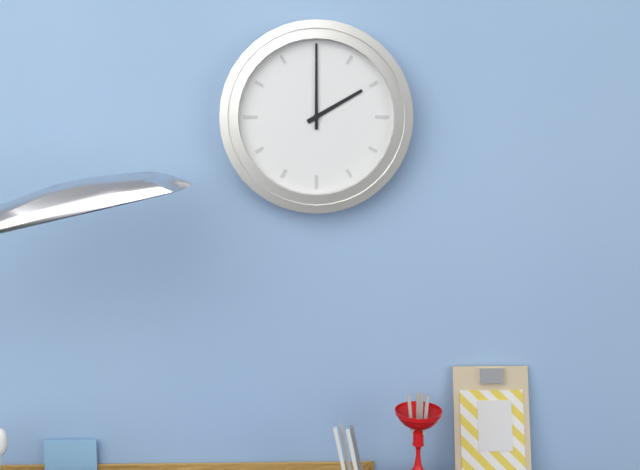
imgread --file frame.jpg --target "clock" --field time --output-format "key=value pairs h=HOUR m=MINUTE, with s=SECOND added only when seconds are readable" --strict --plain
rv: h=2 m=0
